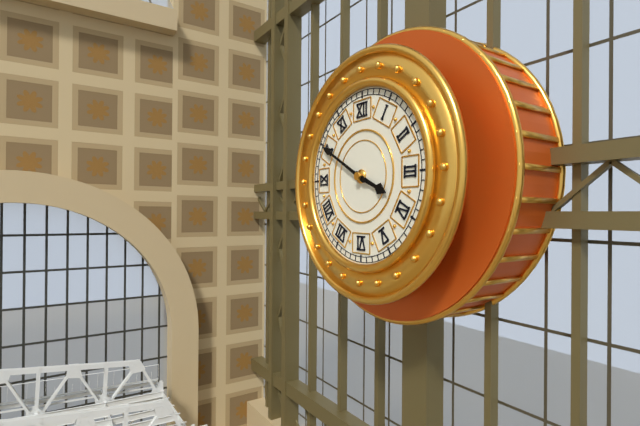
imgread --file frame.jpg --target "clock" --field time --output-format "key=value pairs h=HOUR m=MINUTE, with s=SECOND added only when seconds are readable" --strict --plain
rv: h=3 m=50
